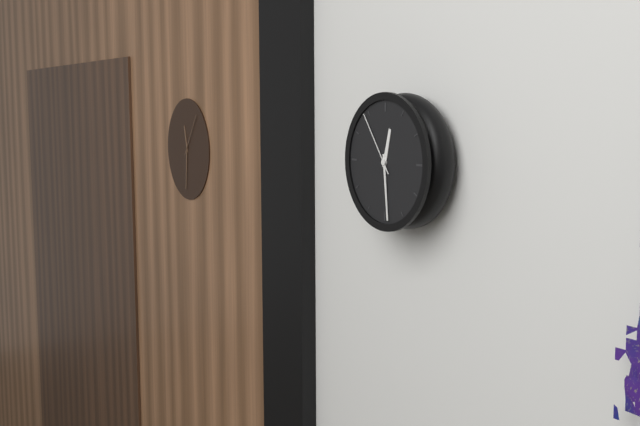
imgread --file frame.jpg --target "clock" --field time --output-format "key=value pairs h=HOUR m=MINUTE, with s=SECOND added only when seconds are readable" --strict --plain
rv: h=12 m=29 s=54
